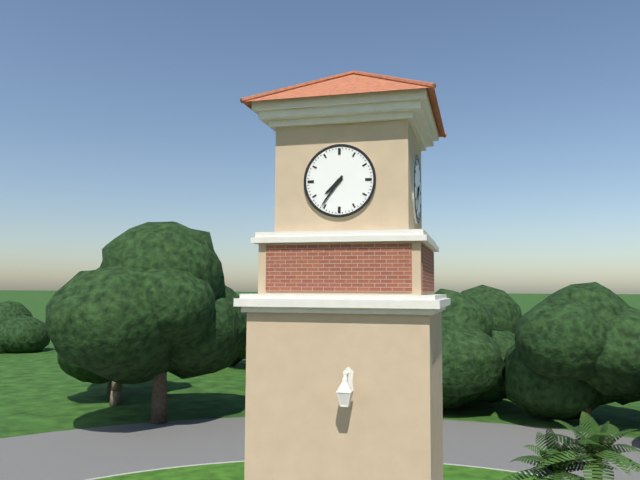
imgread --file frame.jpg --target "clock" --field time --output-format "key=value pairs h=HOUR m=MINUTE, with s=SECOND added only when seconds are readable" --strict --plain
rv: h=7 m=36
